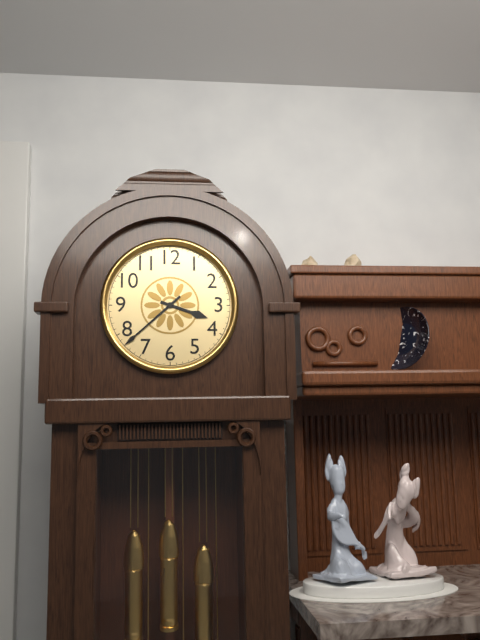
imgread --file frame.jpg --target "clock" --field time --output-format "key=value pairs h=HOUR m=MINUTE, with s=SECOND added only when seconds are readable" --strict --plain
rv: h=3 m=38
